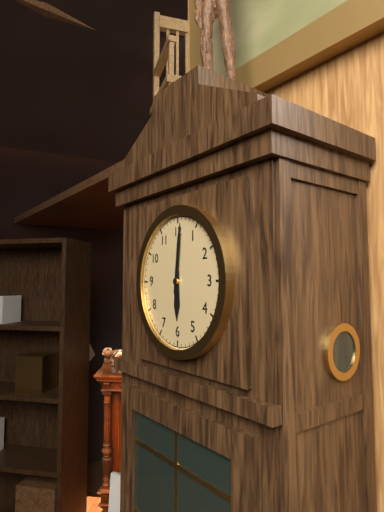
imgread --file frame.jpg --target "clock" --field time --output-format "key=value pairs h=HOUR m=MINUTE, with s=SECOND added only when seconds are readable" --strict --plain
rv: h=6 m=1
